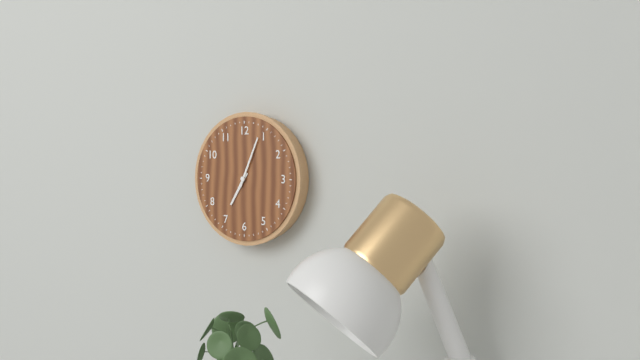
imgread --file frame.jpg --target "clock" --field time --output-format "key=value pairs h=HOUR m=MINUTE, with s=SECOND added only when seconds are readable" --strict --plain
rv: h=7 m=4
